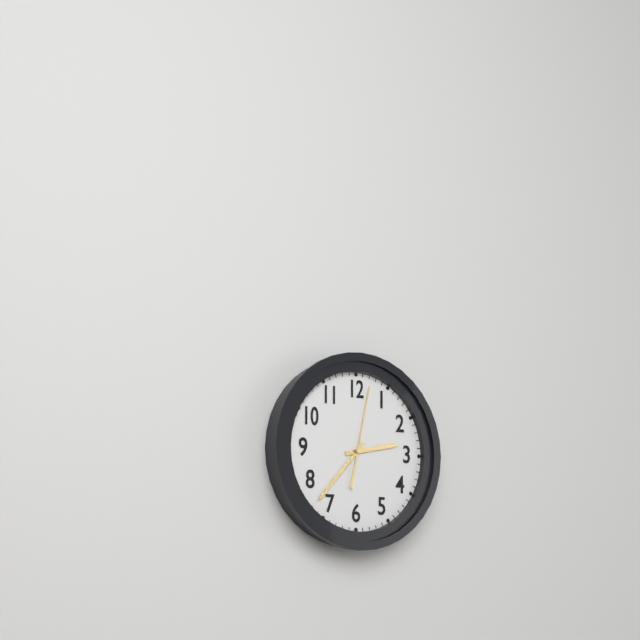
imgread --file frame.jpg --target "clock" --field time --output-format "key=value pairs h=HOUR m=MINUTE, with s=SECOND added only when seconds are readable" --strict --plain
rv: h=2 m=37 s=2
